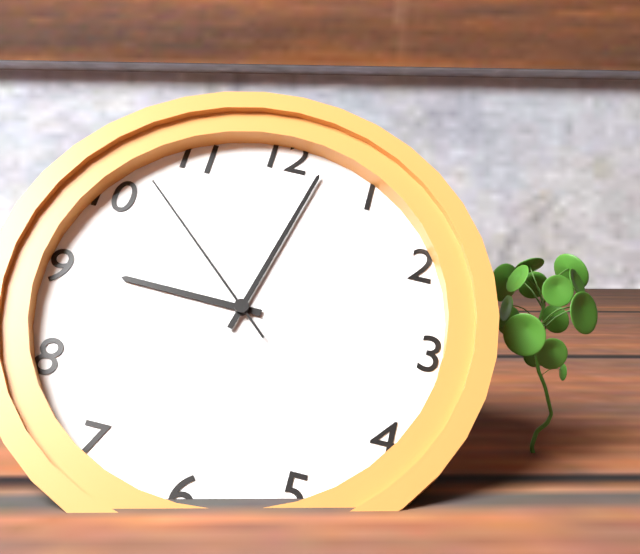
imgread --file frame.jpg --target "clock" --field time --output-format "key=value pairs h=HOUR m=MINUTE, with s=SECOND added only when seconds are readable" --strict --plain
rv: h=9 m=2 s=52
